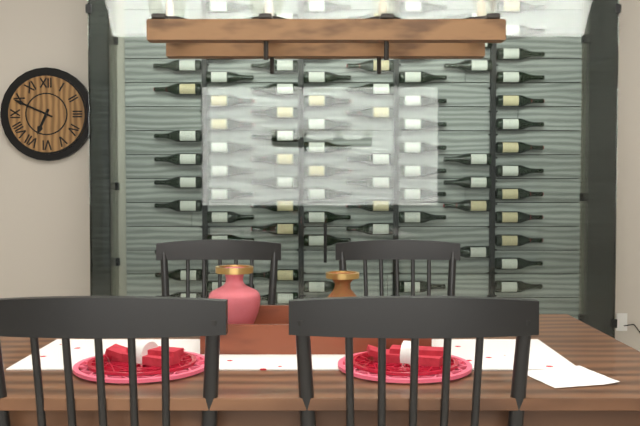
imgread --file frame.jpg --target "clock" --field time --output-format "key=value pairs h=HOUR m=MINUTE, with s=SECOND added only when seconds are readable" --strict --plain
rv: h=6 m=49
